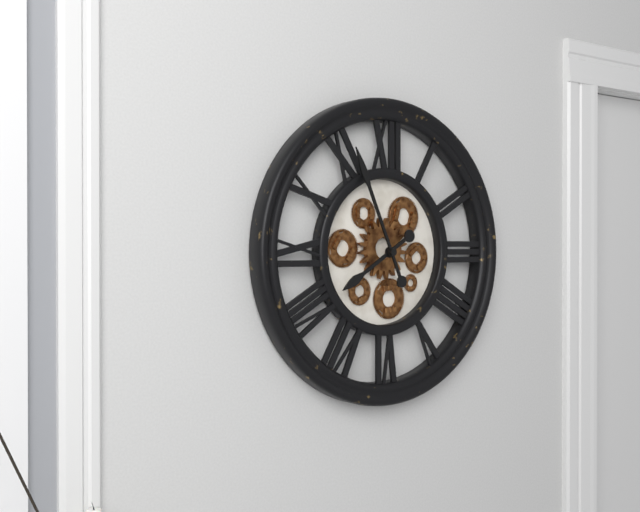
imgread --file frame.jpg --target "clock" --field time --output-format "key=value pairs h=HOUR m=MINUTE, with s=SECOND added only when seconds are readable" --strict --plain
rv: h=7 m=56
